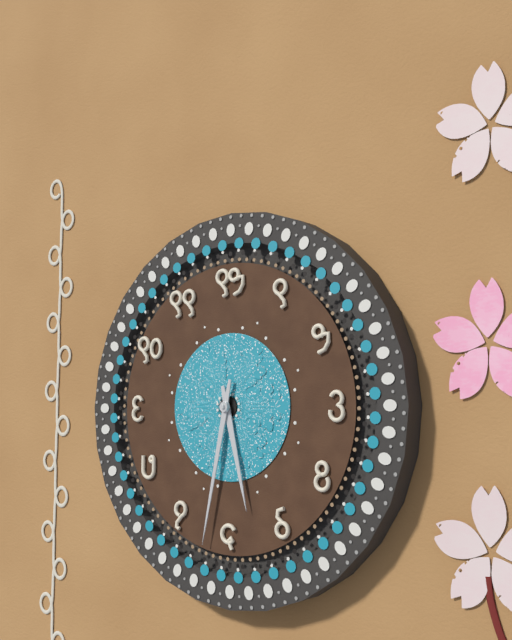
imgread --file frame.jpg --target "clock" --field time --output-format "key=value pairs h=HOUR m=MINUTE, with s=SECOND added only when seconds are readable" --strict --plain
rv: h=5 m=32
